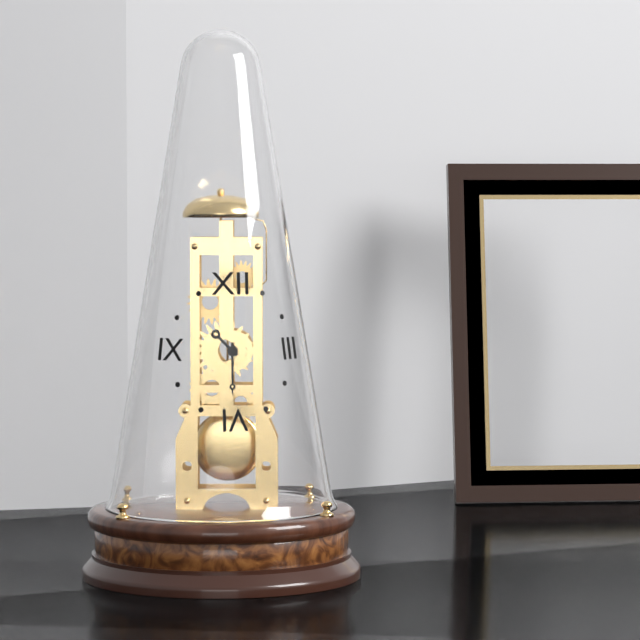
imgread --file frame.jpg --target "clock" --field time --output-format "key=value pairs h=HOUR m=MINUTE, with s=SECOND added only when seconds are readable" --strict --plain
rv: h=10 m=30
